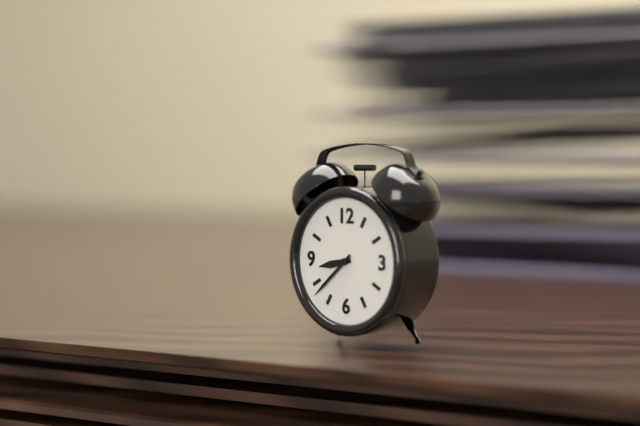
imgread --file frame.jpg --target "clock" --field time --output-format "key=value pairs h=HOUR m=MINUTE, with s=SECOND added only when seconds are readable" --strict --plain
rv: h=8 m=38
